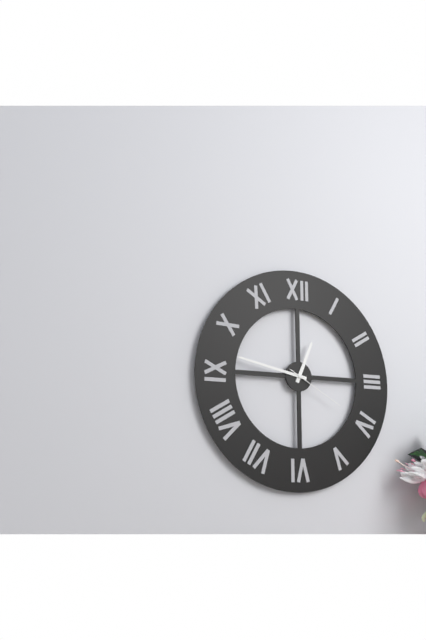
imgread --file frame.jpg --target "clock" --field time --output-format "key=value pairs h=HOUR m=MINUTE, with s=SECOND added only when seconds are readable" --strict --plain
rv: h=12 m=47 s=20
